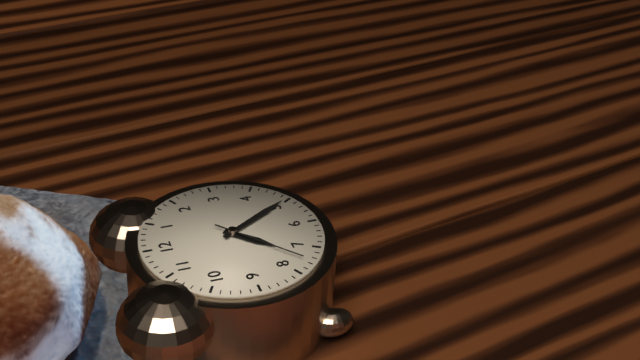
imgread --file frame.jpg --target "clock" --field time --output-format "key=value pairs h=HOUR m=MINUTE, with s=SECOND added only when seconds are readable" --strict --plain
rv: h=7 m=25 s=38
